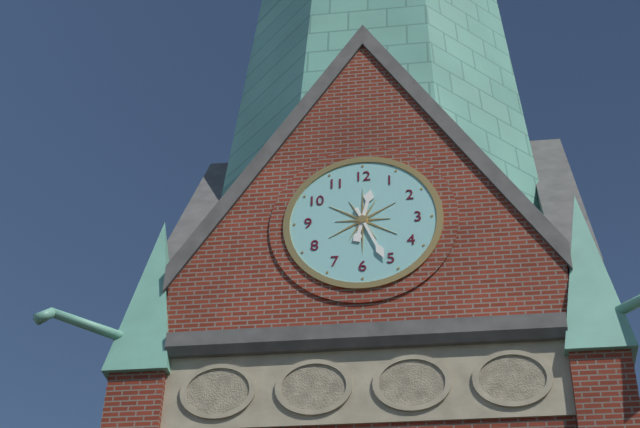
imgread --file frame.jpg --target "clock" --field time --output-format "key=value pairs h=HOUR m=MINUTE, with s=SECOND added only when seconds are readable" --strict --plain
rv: h=12 m=26
